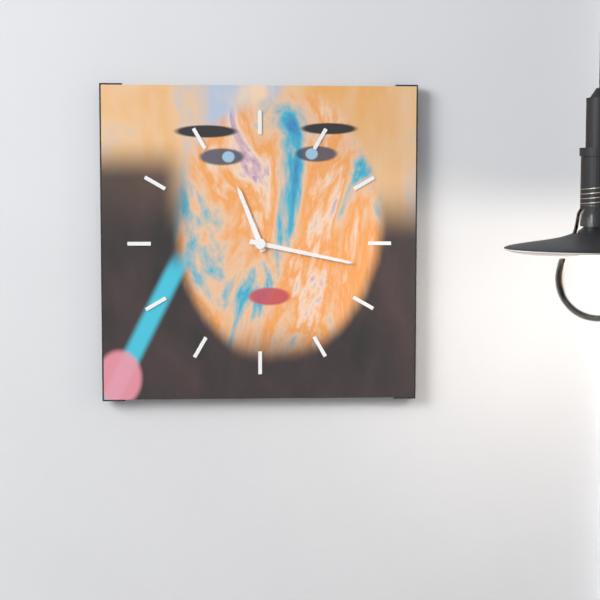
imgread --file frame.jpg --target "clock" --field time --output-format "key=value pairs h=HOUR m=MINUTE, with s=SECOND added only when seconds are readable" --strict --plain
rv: h=11 m=17
